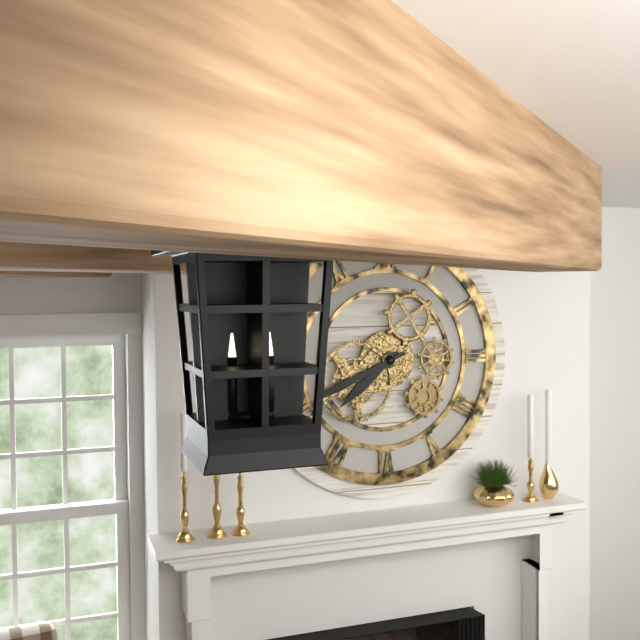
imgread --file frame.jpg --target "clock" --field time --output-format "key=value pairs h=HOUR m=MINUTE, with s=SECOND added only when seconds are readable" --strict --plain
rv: h=7 m=41
